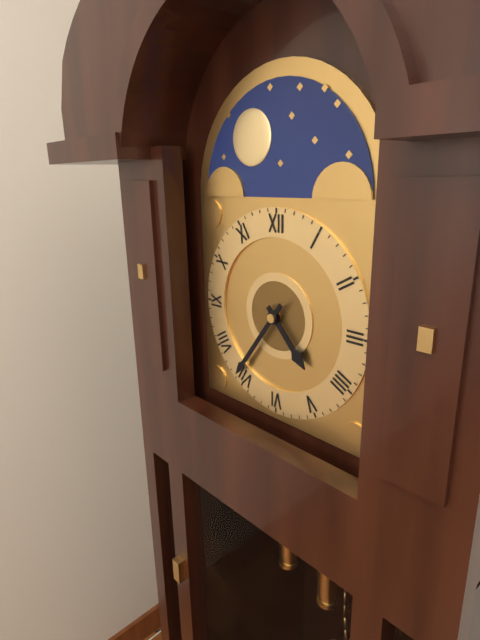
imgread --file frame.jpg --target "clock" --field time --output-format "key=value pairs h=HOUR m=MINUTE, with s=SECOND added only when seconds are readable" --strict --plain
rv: h=4 m=36
